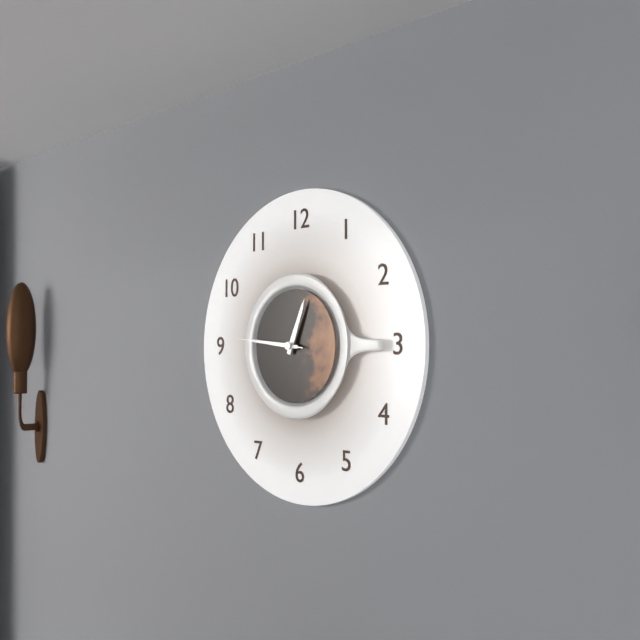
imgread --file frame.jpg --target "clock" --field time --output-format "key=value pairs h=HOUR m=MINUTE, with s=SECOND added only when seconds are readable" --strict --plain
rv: h=12 m=46 s=46
